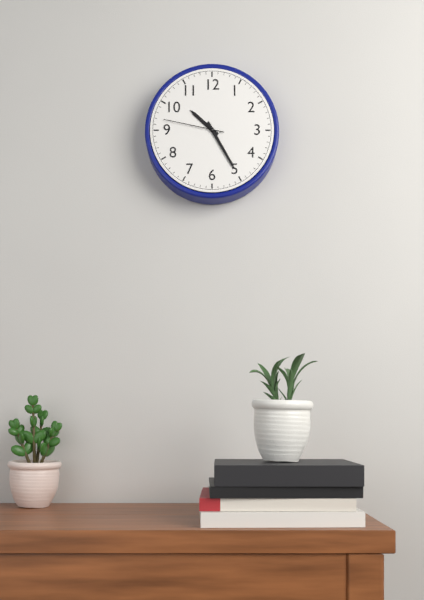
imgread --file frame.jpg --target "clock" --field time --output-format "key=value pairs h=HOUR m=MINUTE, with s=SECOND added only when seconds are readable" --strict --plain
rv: h=10 m=25 s=47
